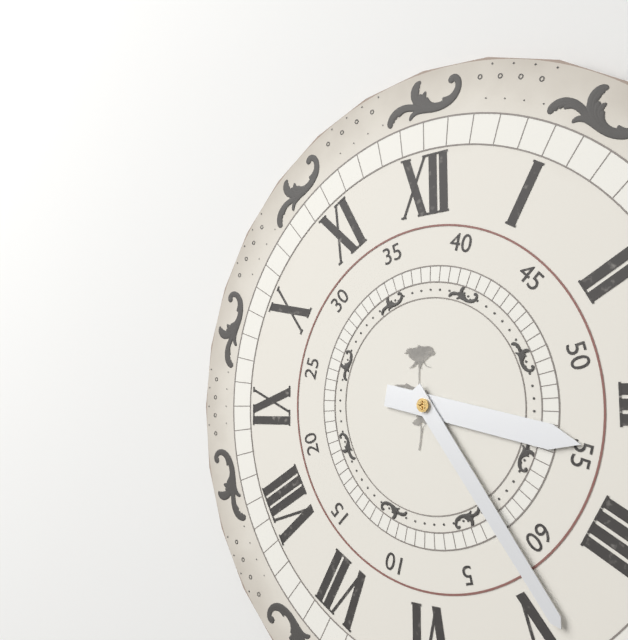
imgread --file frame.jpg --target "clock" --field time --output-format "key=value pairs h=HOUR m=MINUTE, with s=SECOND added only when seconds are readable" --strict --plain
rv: h=3 m=24
